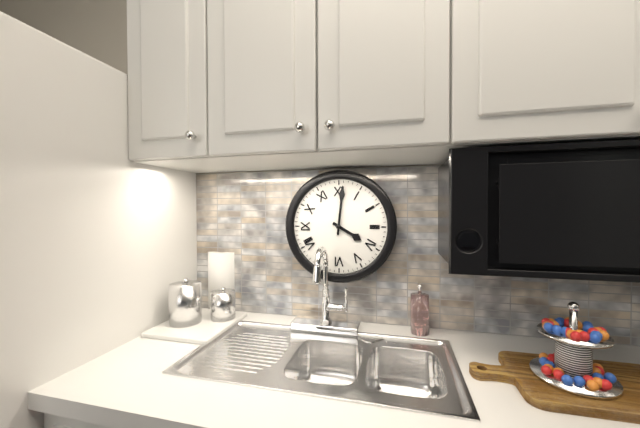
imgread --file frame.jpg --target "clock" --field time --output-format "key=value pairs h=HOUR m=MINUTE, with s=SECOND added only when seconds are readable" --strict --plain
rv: h=4 m=1
